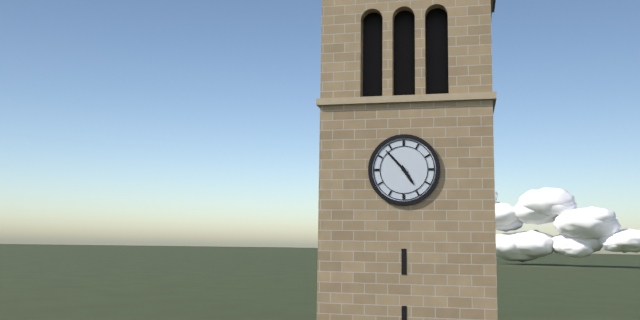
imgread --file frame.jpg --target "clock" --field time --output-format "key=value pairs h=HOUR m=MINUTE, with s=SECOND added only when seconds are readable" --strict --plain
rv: h=4 m=53
